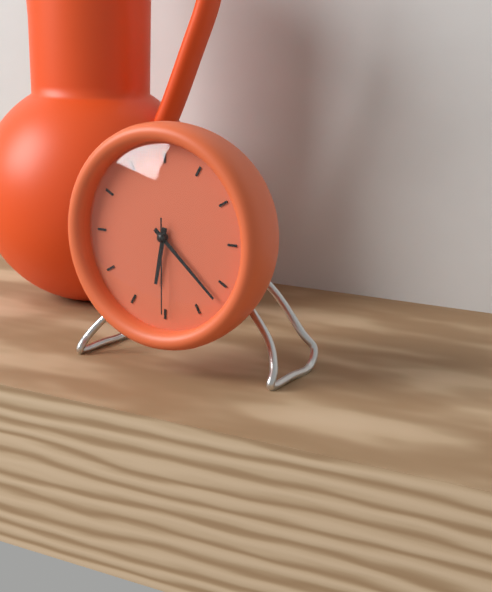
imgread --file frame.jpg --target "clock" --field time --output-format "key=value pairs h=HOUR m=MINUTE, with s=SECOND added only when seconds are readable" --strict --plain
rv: h=6 m=22 s=30
